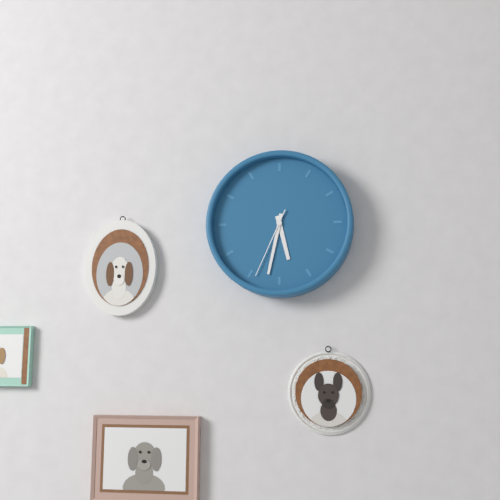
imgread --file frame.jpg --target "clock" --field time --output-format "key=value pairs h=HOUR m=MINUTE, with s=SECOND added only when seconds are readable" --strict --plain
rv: h=5 m=32 s=34
